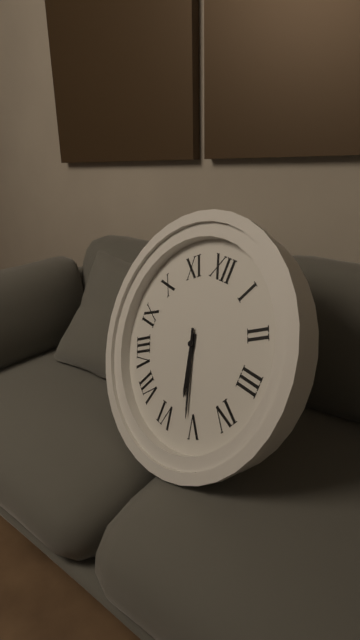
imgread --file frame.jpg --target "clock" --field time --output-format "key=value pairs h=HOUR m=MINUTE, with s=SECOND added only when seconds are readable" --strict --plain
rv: h=5 m=26
